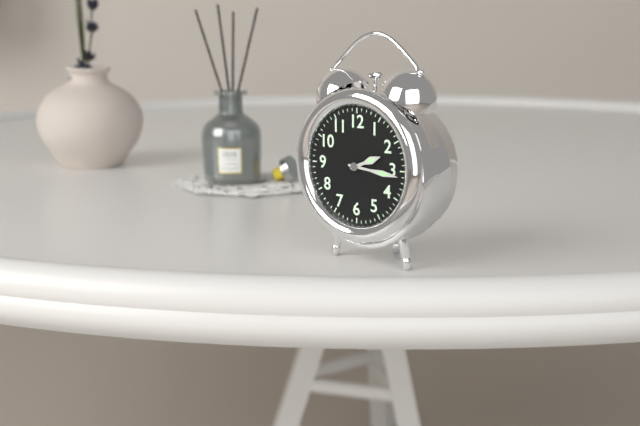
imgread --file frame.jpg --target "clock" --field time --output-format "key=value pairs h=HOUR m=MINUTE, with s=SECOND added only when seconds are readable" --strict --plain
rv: h=2 m=16
